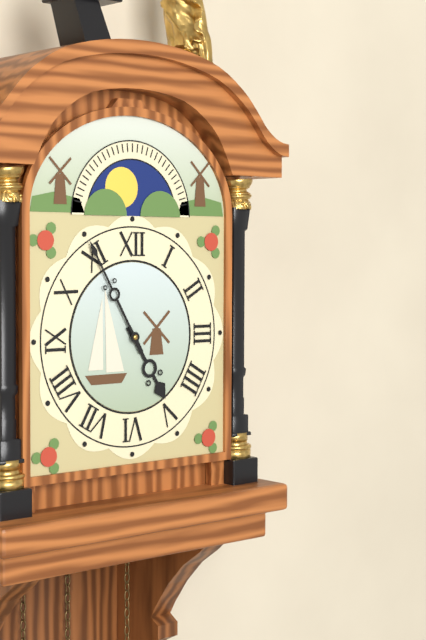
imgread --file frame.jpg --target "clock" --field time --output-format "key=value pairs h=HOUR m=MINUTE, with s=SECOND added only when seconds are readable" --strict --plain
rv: h=4 m=55
